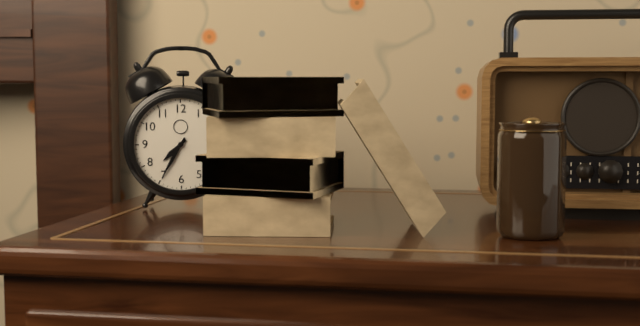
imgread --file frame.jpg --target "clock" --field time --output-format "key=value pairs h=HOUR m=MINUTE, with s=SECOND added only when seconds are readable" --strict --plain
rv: h=7 m=35
